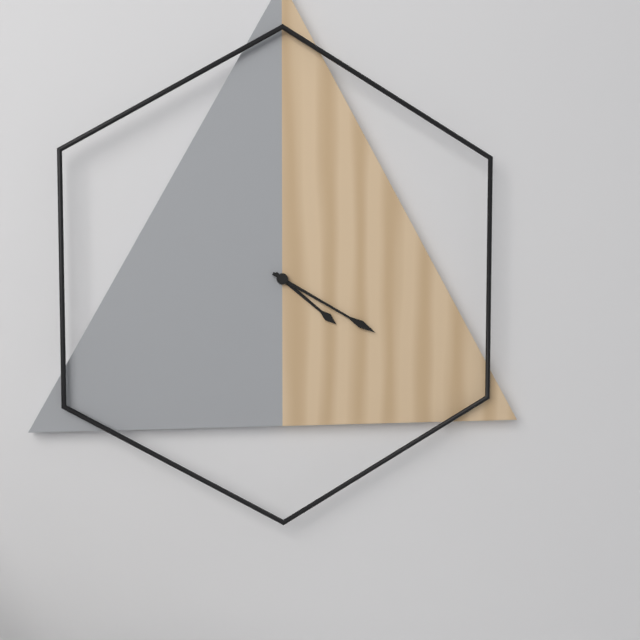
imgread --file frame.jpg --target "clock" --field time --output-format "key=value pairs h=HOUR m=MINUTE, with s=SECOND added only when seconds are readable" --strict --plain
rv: h=4 m=20
